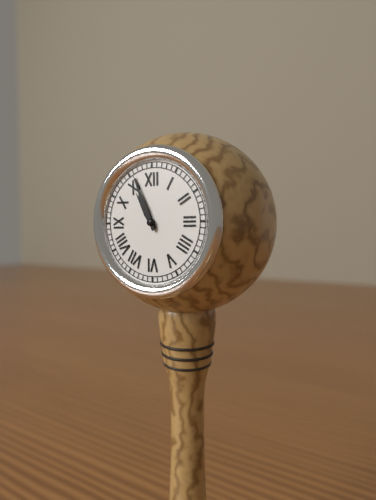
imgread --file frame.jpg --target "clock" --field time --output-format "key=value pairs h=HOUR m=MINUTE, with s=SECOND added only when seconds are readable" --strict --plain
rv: h=10 m=56
